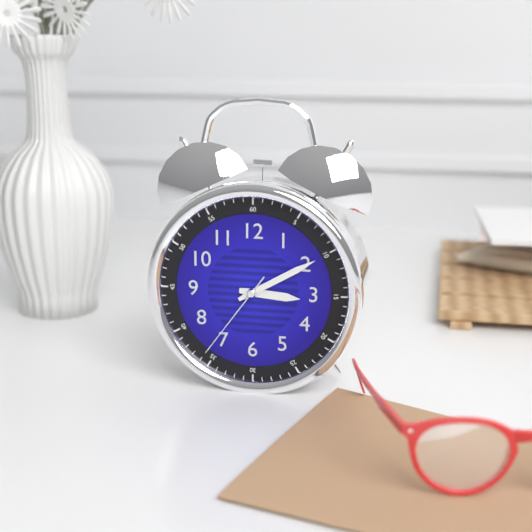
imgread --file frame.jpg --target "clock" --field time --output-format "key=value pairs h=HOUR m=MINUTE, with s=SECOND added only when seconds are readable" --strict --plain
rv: h=3 m=10 s=36
